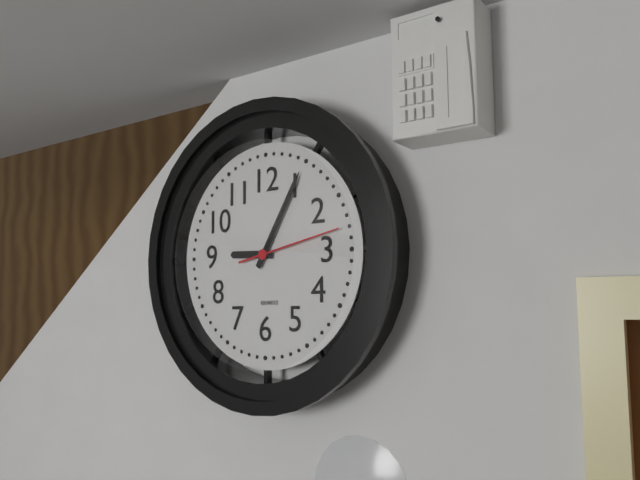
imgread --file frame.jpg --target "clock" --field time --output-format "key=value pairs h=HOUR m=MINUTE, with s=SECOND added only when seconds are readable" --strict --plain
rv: h=9 m=5 s=13
